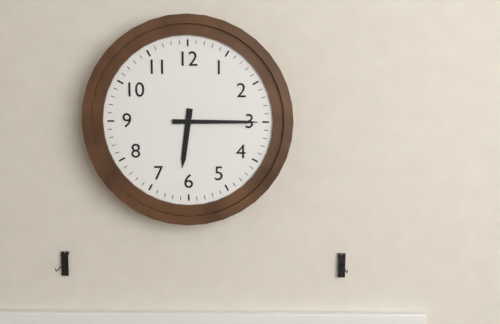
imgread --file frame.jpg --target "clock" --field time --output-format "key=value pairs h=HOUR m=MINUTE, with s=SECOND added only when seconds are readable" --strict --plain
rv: h=6 m=15
